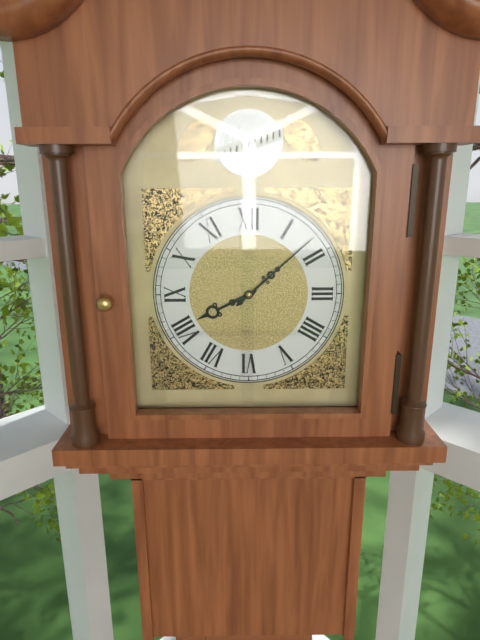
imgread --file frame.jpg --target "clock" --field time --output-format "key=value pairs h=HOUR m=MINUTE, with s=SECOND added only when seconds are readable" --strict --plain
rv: h=8 m=8
